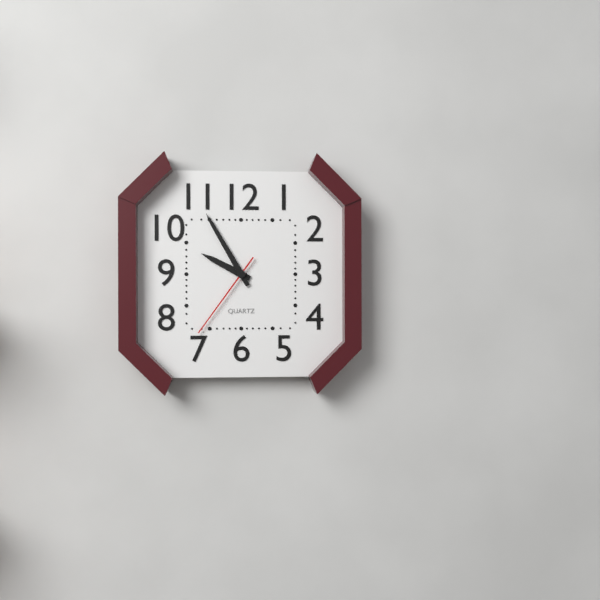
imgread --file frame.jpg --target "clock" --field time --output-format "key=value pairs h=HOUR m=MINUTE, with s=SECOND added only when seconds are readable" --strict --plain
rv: h=9 m=55 s=36
